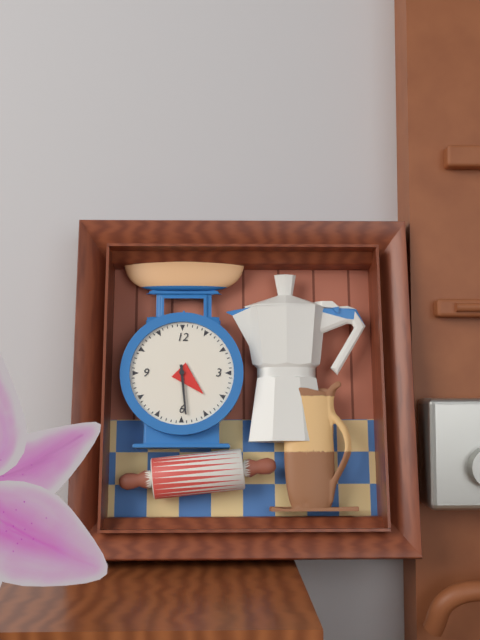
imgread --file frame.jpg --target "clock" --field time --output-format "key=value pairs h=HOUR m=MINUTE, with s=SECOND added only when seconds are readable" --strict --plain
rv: h=4 m=29
